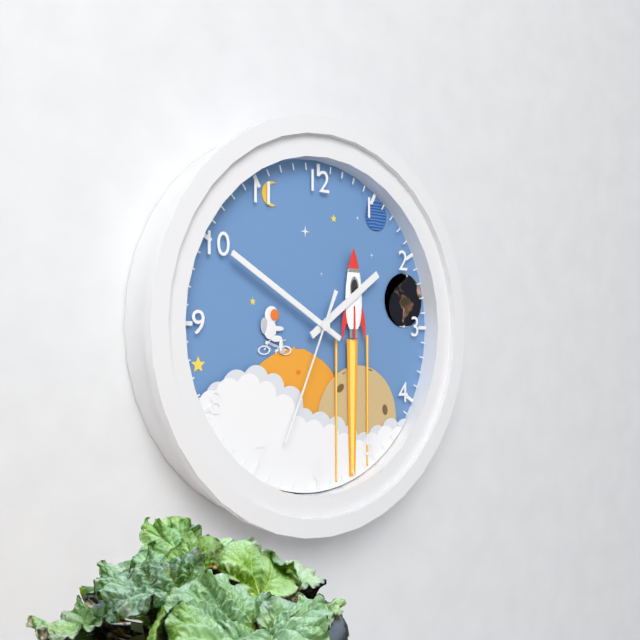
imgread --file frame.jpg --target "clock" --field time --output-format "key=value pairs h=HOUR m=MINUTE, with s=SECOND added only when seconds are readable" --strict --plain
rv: h=1 m=50 s=34
